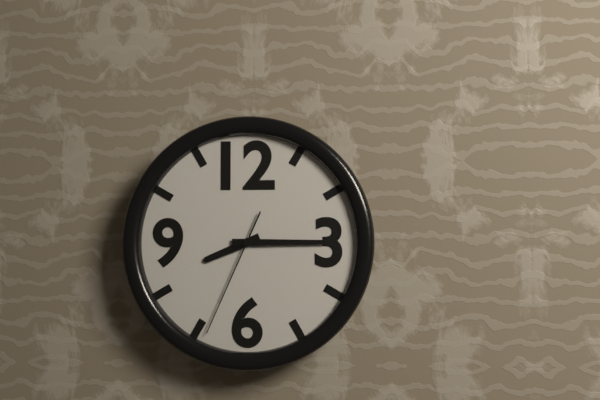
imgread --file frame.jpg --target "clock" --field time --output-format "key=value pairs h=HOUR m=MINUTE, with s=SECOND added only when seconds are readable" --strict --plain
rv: h=8 m=15 s=34
